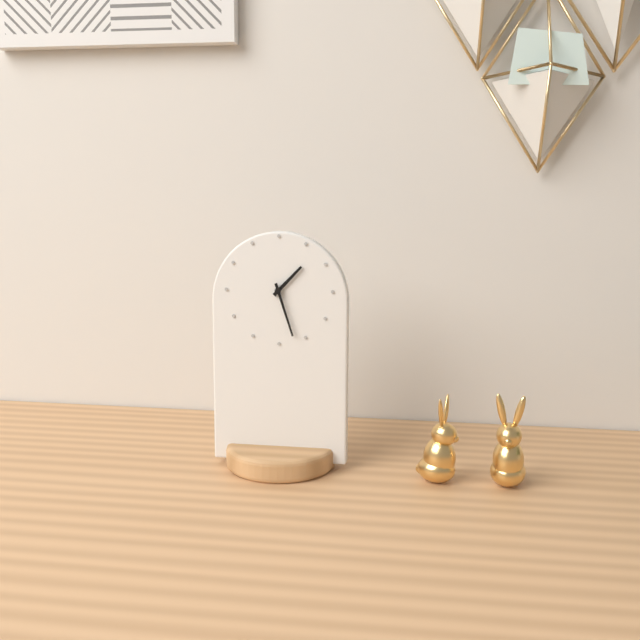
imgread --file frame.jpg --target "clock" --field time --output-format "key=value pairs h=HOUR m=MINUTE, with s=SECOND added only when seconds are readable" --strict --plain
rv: h=1 m=27
